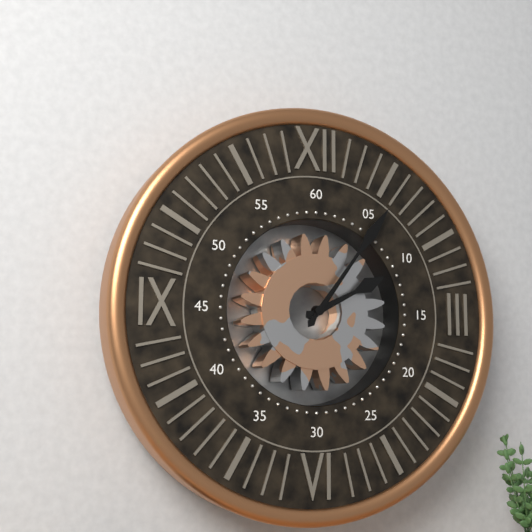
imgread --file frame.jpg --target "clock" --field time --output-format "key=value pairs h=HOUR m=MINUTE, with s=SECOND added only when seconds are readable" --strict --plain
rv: h=2 m=6
